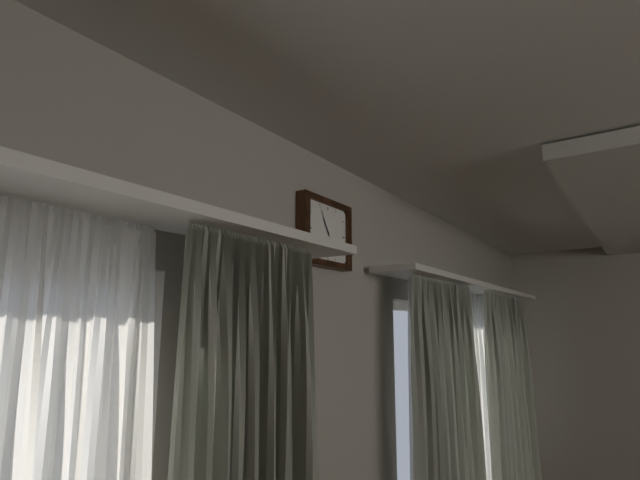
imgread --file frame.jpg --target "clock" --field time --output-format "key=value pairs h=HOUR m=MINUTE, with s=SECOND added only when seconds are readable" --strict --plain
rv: h=10 m=55
